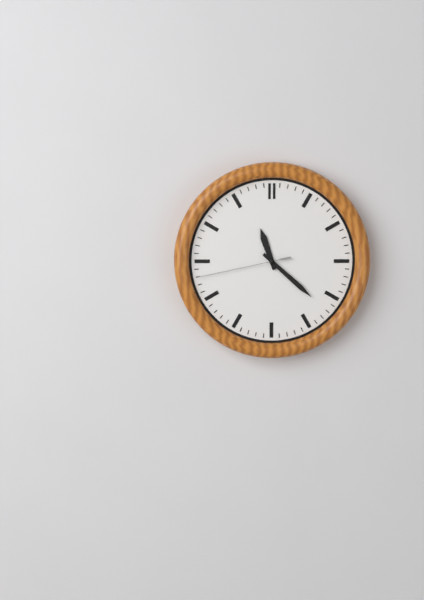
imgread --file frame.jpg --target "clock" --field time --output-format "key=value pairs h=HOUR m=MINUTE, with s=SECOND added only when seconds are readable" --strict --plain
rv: h=11 m=22 s=43
